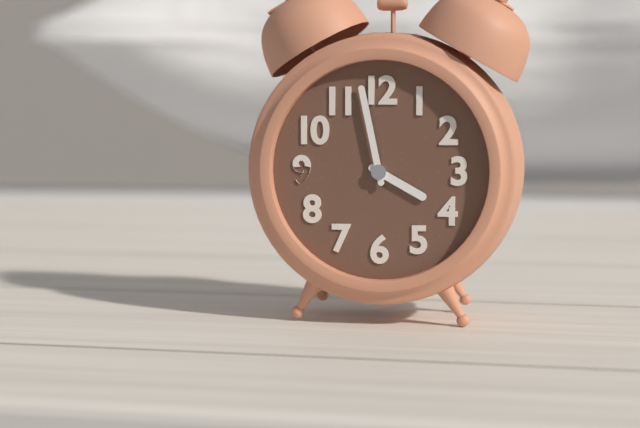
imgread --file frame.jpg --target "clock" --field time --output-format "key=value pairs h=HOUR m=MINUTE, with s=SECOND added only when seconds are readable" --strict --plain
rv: h=3 m=58
